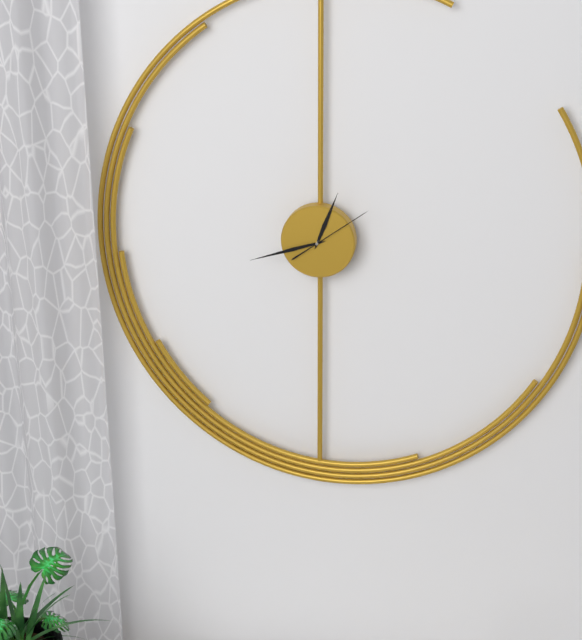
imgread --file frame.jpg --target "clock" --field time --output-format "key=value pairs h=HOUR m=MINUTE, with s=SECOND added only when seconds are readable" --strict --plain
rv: h=12 m=42 s=9
